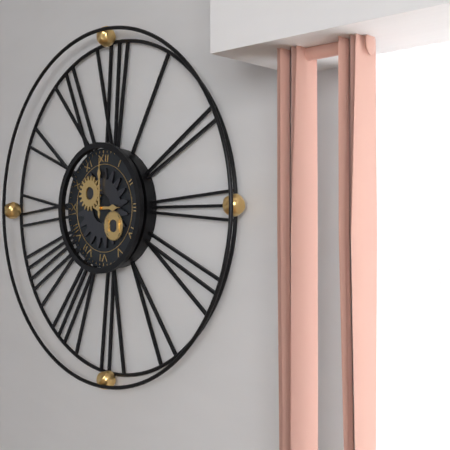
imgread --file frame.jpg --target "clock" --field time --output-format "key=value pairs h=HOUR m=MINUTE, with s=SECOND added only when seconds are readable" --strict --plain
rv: h=3 m=0
